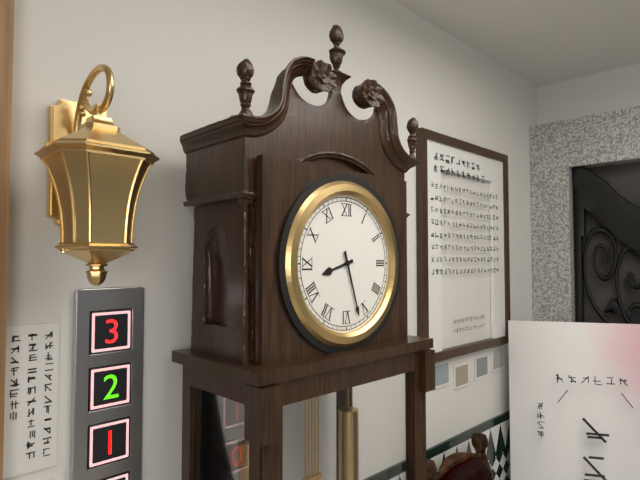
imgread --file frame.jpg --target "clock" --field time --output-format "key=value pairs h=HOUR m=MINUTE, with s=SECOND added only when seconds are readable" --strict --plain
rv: h=8 m=27
